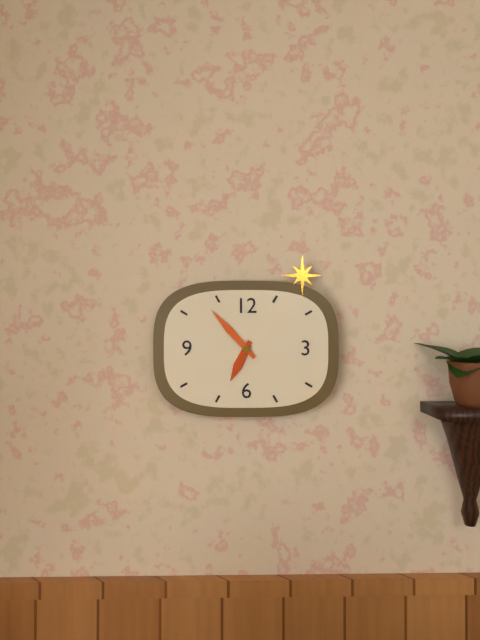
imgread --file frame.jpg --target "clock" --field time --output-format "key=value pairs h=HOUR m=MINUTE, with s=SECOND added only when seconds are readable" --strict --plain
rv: h=6 m=53
